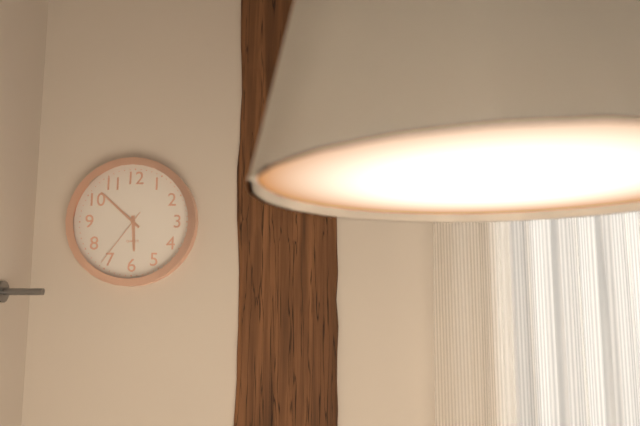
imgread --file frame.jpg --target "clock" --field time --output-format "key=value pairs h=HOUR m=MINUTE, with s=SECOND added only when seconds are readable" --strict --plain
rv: h=5 m=52 s=36
